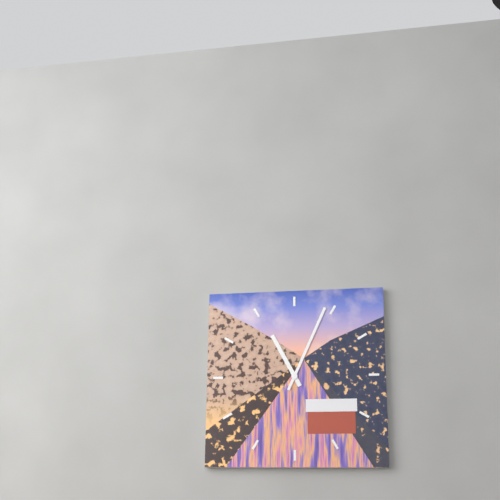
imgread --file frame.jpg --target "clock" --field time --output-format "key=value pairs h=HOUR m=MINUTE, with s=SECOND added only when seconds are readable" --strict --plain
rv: h=11 m=4
